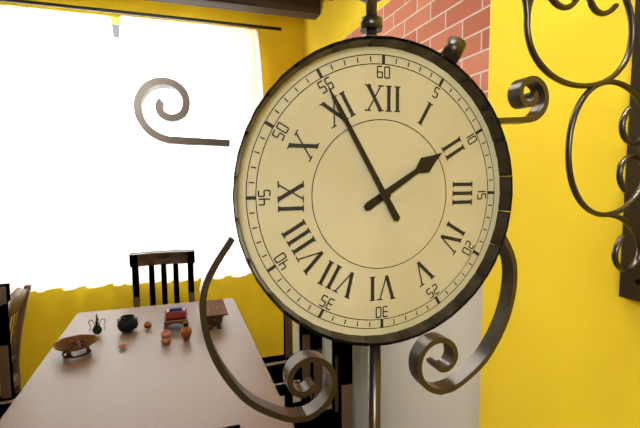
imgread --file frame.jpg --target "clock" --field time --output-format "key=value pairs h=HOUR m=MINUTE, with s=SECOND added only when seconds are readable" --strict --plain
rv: h=1 m=55
